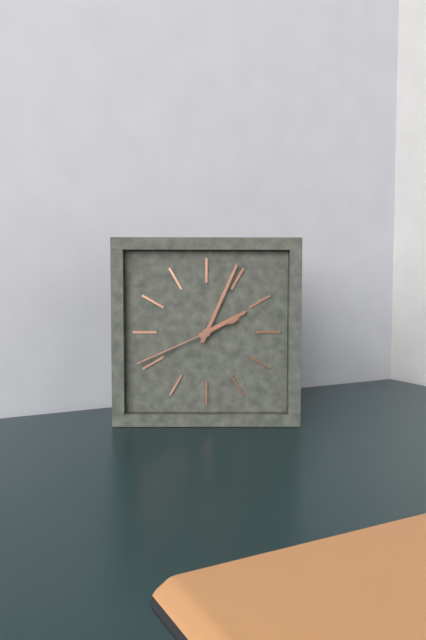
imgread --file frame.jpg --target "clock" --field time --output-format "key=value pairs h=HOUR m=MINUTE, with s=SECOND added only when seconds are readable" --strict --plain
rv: h=2 m=4 s=41
